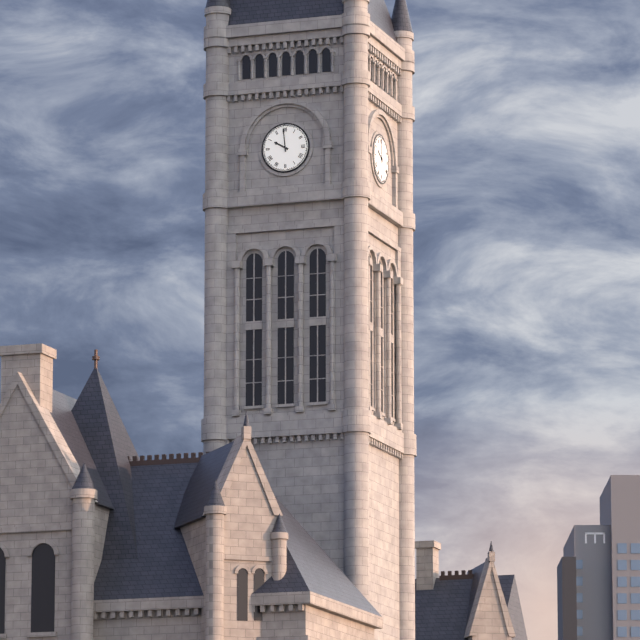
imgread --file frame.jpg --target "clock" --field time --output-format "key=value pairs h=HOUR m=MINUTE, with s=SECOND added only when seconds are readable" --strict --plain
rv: h=9 m=59
